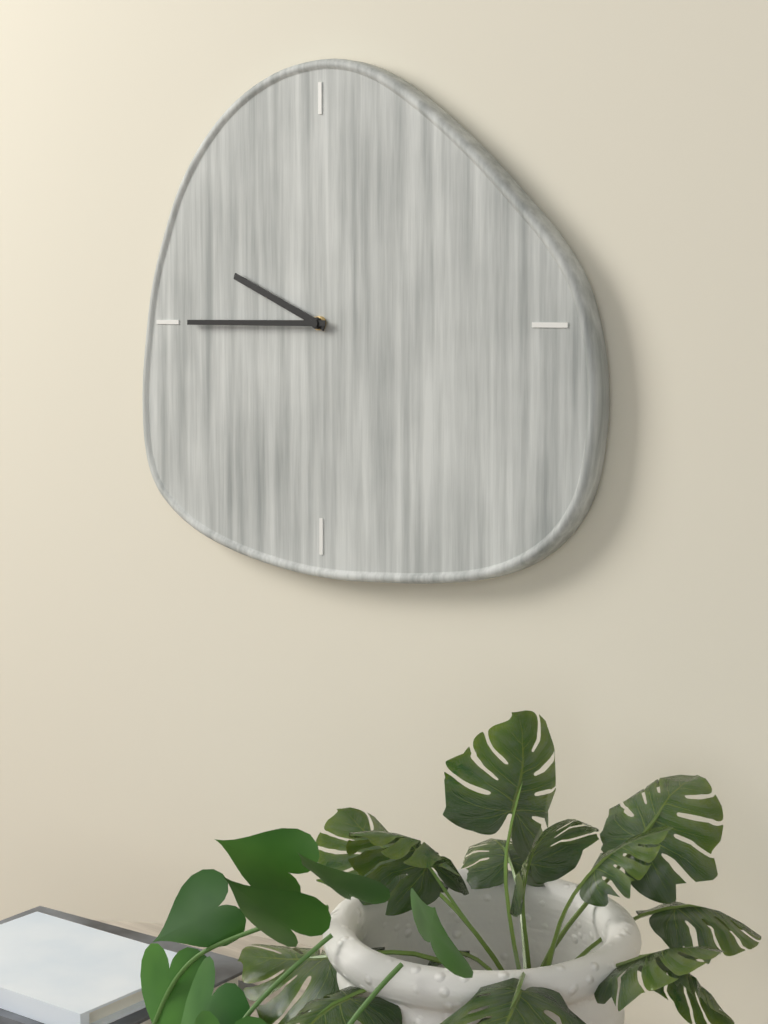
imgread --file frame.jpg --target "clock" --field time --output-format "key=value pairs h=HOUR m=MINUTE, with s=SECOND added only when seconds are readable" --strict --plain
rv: h=9 m=45
